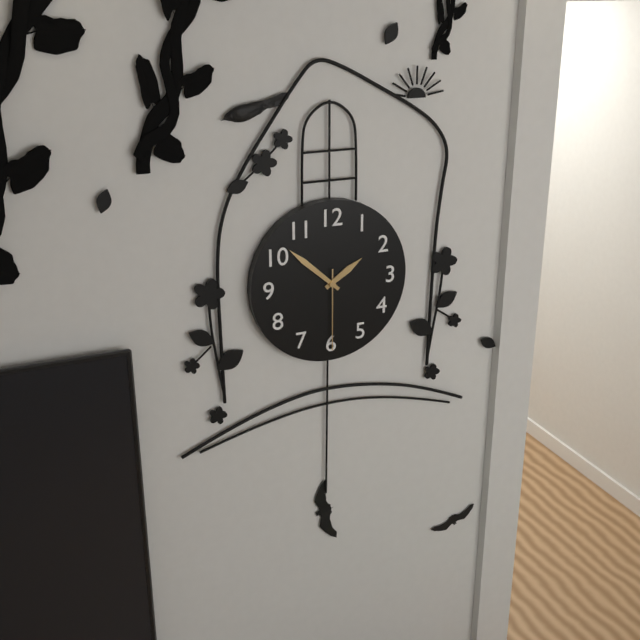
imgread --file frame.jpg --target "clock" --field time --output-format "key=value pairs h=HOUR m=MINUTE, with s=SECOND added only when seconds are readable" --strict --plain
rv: h=1 m=52 s=30
